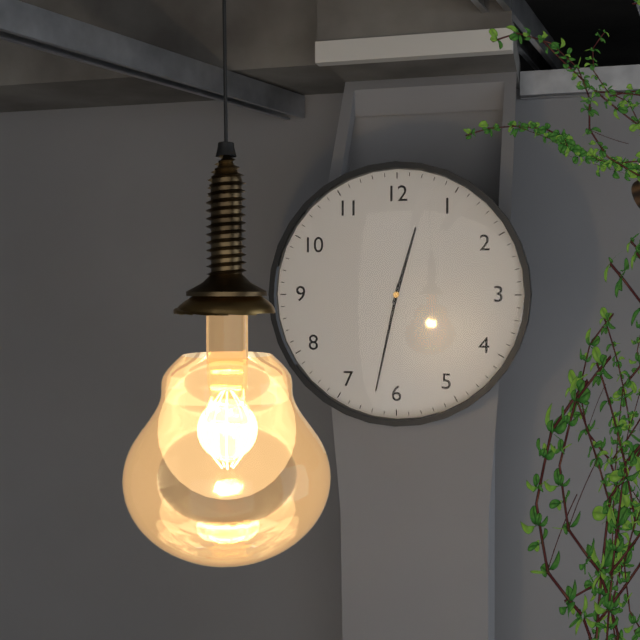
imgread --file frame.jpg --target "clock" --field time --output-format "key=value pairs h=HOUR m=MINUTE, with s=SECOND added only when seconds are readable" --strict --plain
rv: h=12 m=32
